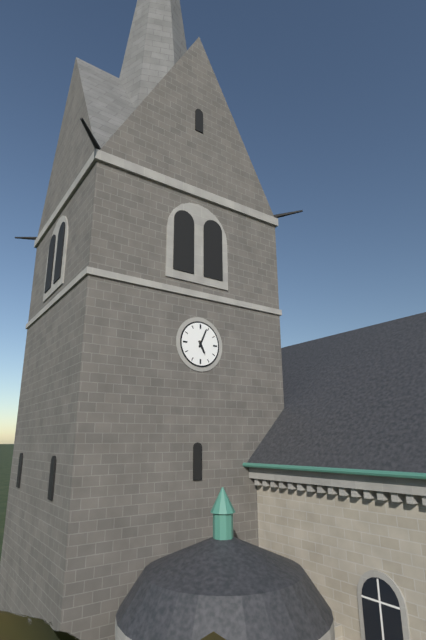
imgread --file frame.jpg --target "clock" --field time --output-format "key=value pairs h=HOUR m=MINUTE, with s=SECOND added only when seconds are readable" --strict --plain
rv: h=5 m=4
